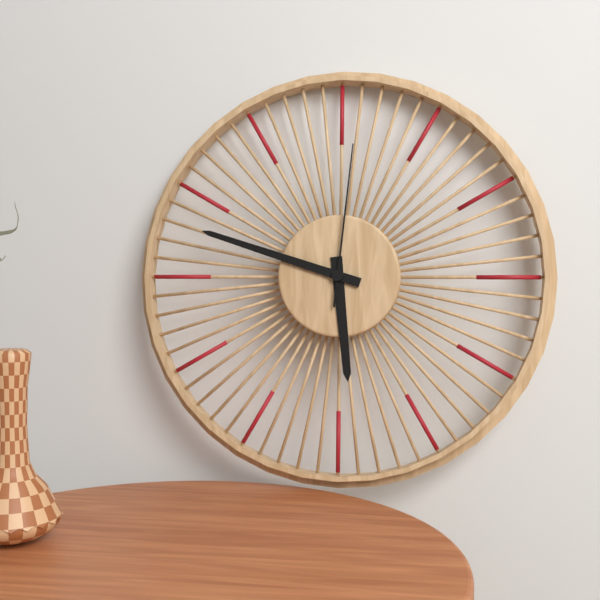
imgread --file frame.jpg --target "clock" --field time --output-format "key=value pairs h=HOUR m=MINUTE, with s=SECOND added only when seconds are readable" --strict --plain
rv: h=5 m=48 s=1
